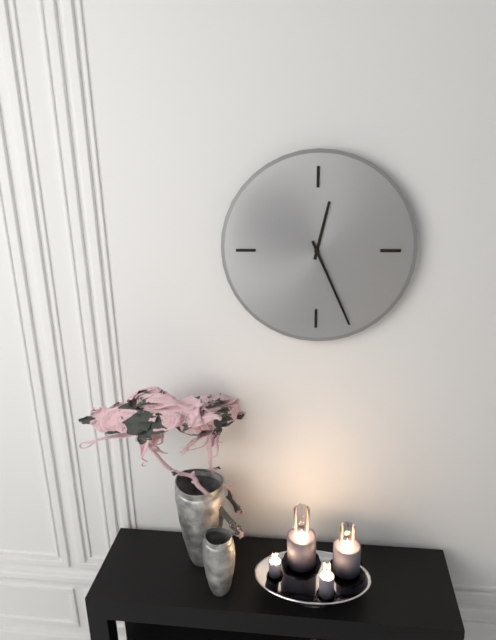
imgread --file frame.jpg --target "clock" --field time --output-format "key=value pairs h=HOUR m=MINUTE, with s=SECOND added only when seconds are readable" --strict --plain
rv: h=12 m=26
